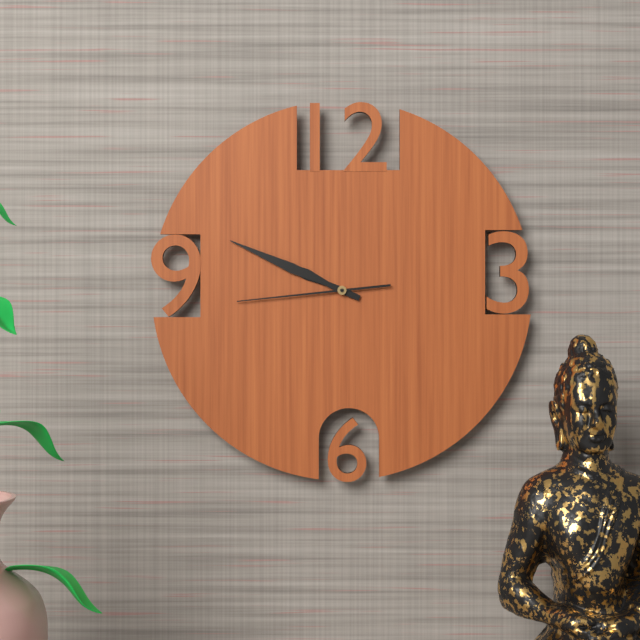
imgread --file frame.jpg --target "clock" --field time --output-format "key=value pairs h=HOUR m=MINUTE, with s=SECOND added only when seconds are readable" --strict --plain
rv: h=9 m=49 s=44
